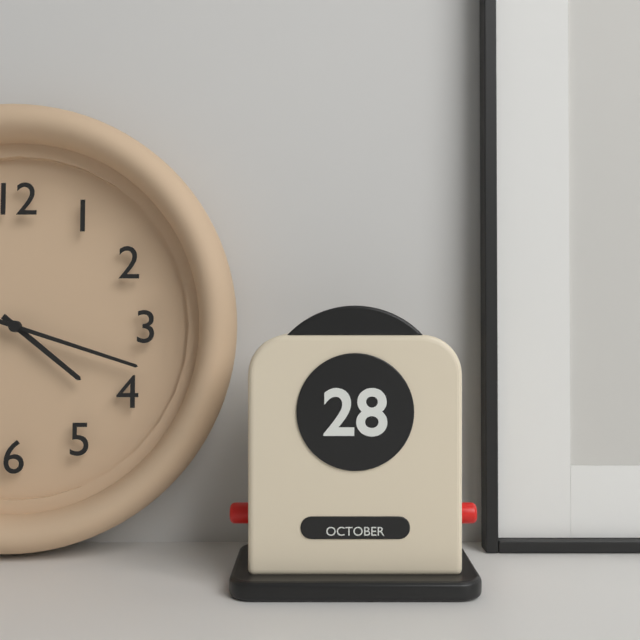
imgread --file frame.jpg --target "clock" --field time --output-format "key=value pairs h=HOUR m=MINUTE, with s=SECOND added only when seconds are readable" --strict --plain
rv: h=4 m=18
